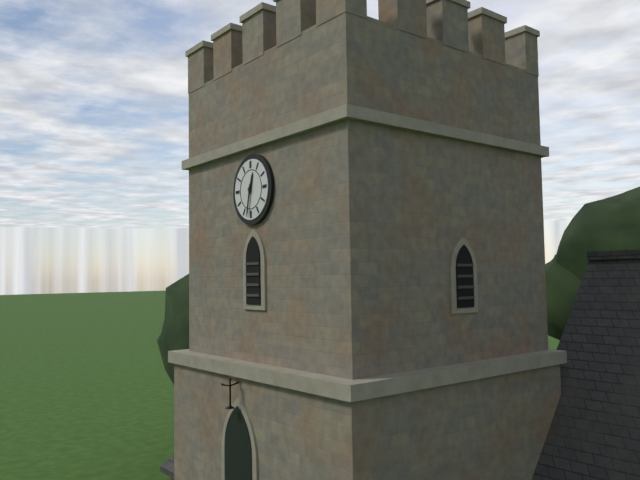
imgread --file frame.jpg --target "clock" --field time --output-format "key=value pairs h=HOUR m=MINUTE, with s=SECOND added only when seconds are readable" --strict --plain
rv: h=12 m=32
